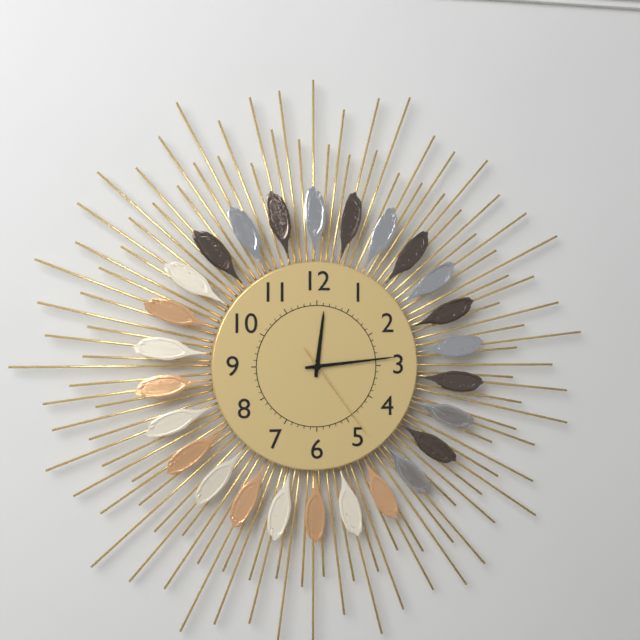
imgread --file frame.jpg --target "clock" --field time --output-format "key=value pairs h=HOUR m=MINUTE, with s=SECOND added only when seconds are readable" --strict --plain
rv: h=12 m=14 s=24
